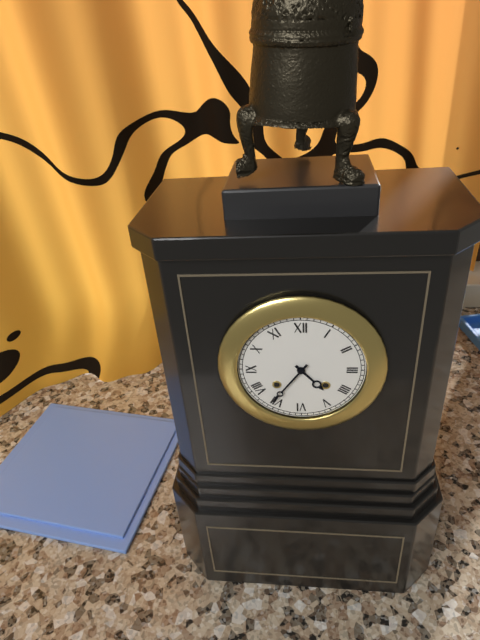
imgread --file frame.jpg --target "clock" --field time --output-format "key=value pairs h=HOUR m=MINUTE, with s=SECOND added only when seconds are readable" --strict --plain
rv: h=4 m=36
